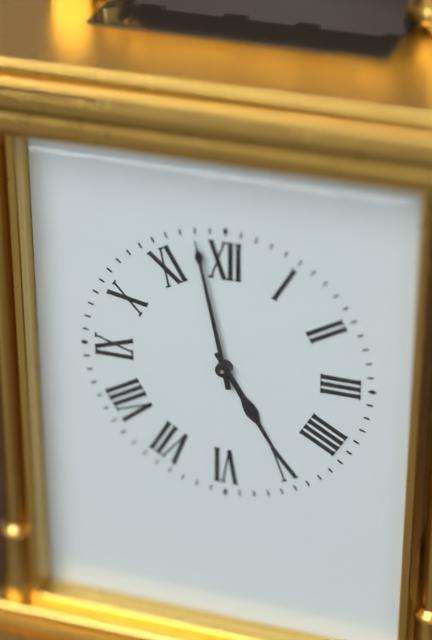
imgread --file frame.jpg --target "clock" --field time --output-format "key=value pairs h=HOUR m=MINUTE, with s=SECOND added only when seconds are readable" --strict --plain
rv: h=4 m=58
